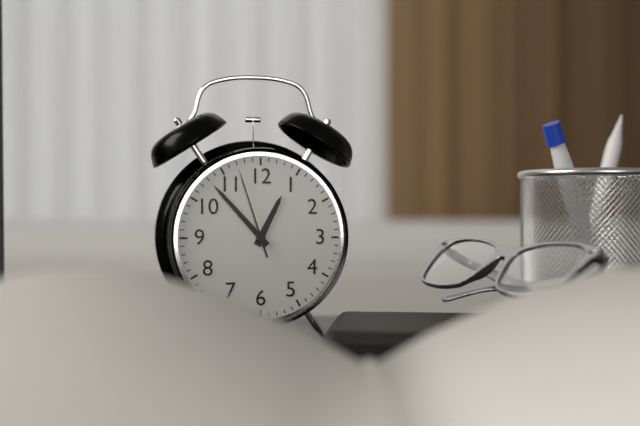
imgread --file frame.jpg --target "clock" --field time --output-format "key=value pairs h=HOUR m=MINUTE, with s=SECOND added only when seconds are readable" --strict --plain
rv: h=12 m=53 s=57
